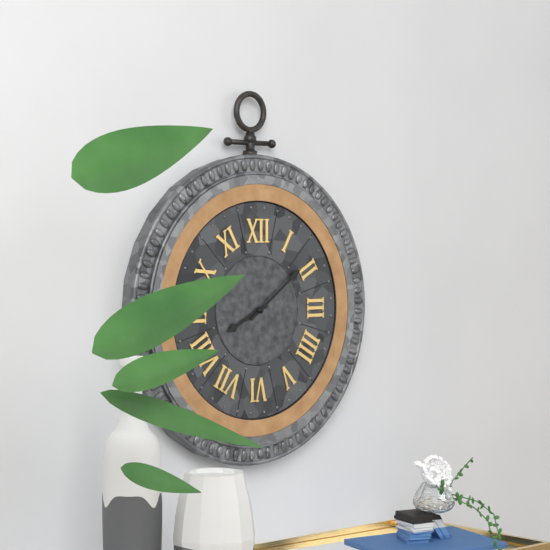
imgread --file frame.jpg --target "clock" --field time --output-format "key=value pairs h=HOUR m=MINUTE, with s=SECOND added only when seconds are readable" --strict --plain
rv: h=8 m=9
